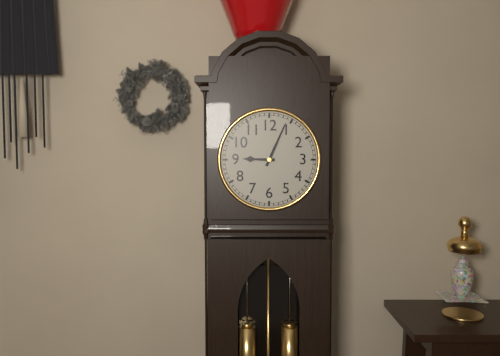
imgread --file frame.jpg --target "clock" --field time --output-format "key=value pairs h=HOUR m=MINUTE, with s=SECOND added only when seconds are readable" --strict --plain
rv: h=9 m=4
